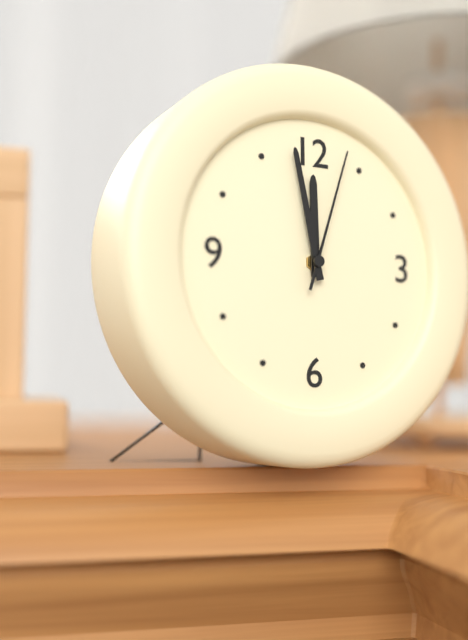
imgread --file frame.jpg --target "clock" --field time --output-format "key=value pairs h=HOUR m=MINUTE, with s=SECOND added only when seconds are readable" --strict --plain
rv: h=11 m=58 s=3
